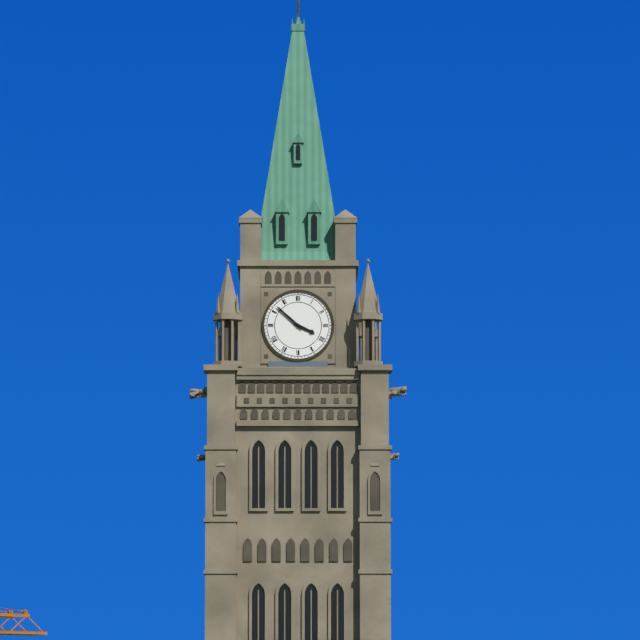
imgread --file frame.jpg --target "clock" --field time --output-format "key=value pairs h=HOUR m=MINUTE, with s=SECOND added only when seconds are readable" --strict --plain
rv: h=3 m=52
